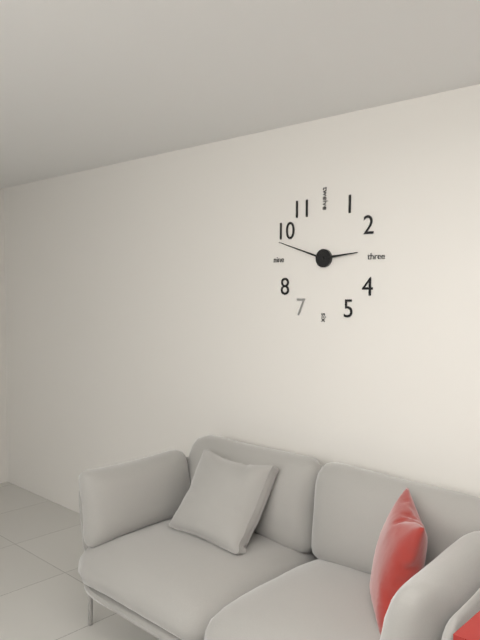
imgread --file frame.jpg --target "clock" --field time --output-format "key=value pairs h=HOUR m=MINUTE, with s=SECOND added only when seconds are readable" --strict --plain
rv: h=2 m=48
